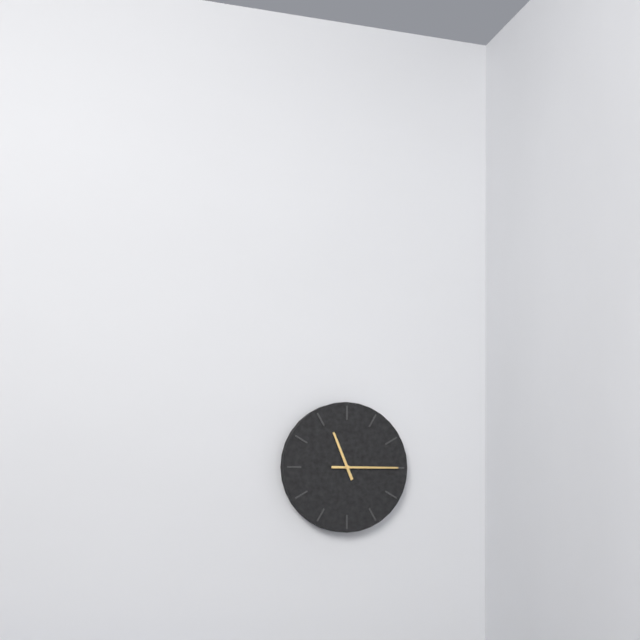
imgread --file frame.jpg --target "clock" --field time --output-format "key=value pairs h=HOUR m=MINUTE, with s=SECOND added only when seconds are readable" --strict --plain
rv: h=11 m=15
